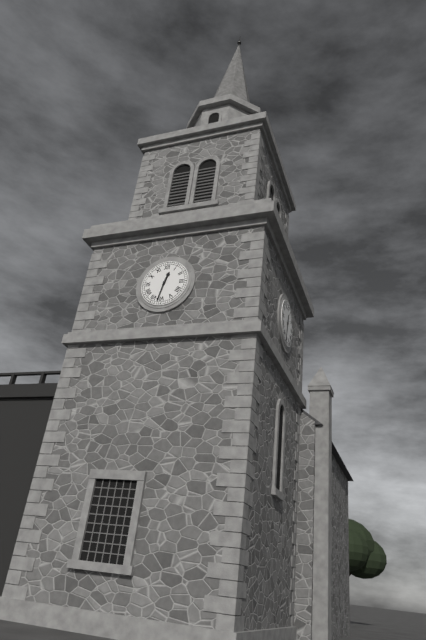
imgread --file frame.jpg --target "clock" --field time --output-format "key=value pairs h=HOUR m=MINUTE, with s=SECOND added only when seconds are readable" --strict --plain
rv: h=12 m=32
